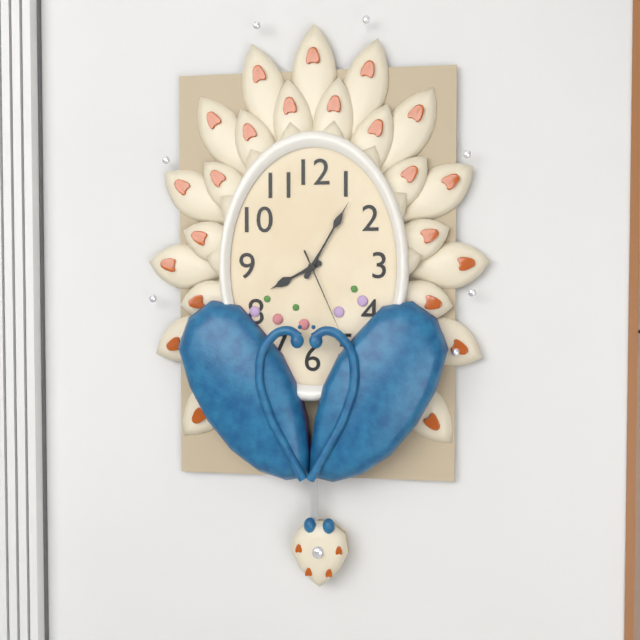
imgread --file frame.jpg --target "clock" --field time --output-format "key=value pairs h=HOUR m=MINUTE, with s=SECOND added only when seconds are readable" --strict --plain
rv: h=8 m=5 s=26
